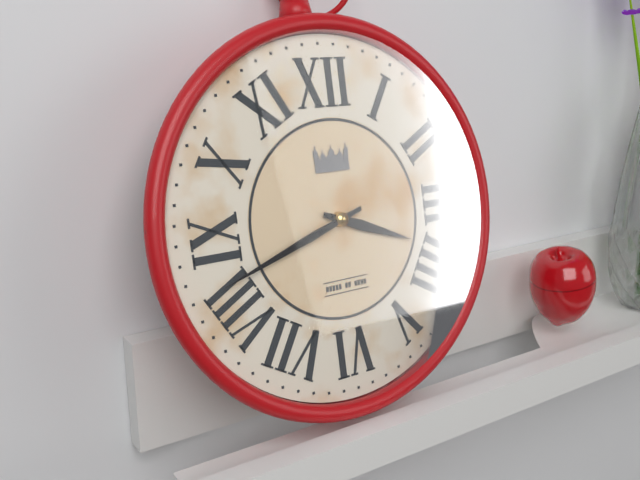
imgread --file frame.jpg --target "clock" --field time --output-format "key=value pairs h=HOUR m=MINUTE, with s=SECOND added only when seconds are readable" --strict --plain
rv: h=3 m=42
